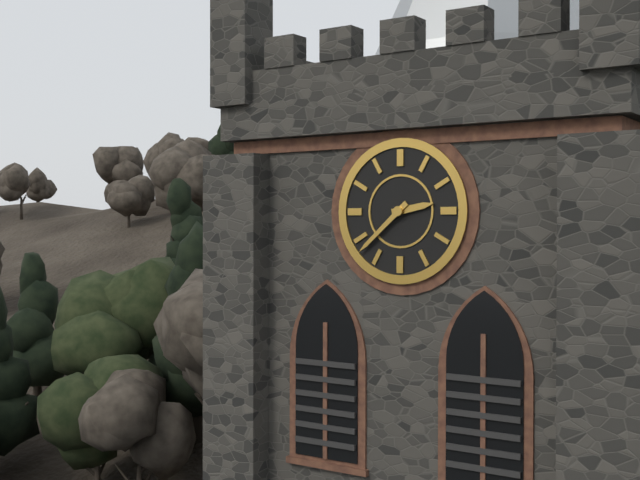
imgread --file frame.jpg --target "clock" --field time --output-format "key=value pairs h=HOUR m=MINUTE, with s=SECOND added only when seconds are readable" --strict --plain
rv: h=2 m=38
